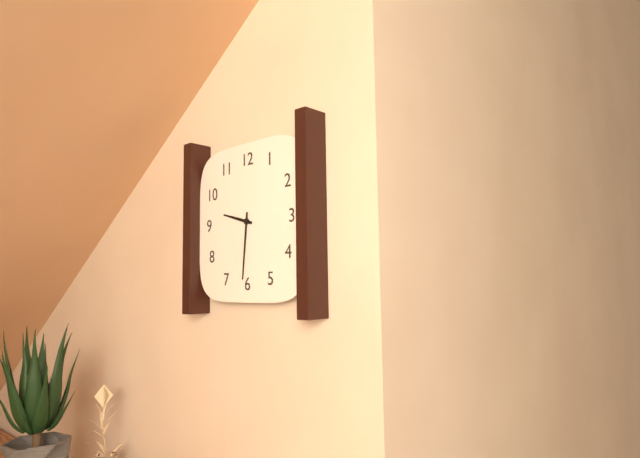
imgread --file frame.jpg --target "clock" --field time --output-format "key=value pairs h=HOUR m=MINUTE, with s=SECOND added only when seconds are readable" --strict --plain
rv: h=9 m=31
